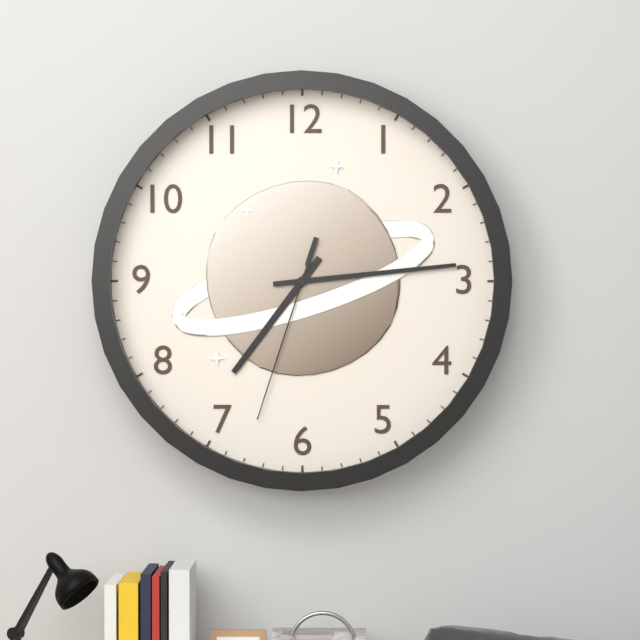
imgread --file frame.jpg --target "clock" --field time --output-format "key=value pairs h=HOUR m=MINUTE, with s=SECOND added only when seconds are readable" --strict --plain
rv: h=7 m=14 s=33
